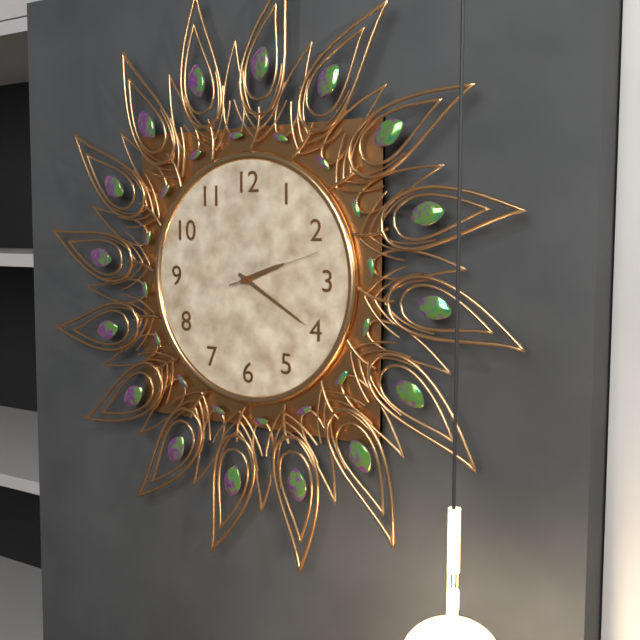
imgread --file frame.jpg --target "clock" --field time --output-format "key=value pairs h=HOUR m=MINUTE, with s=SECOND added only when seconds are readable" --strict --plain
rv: h=2 m=20 s=12
